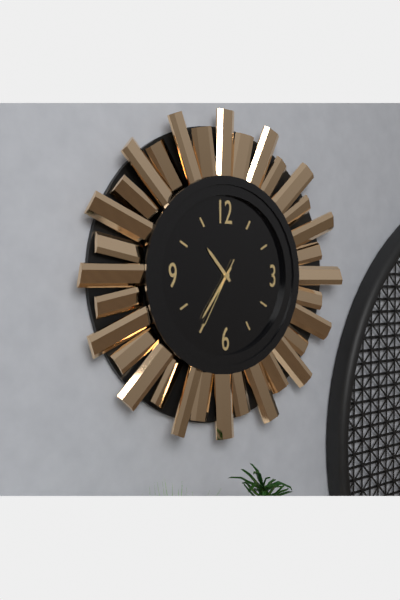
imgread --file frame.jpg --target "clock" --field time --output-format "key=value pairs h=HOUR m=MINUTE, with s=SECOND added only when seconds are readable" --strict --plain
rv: h=10 m=36 s=35
